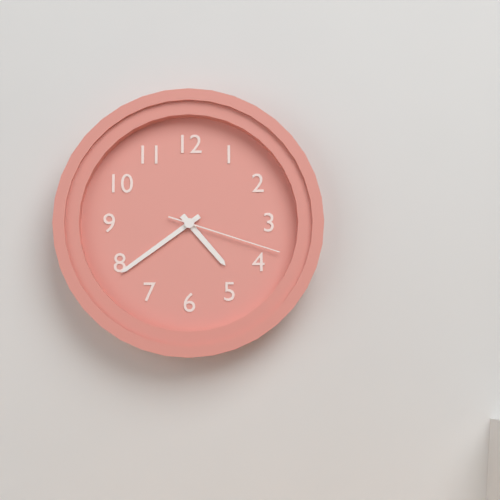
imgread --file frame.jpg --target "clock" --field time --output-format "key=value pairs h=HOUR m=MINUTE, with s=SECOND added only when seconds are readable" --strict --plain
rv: h=4 m=39 s=18
